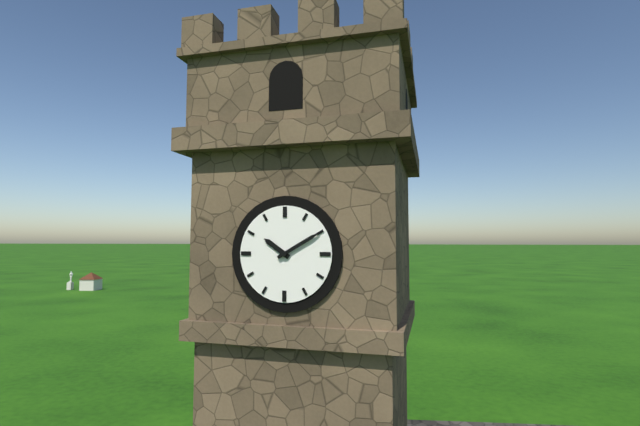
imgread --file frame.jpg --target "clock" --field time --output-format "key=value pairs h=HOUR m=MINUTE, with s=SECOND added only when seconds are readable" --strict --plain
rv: h=10 m=10
